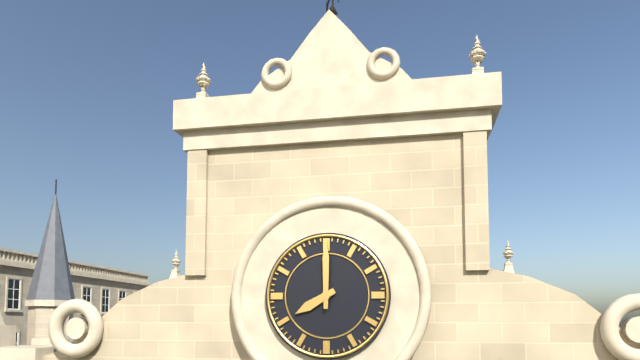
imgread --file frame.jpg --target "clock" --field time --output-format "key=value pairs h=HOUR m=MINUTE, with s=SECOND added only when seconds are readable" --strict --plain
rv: h=8 m=0
